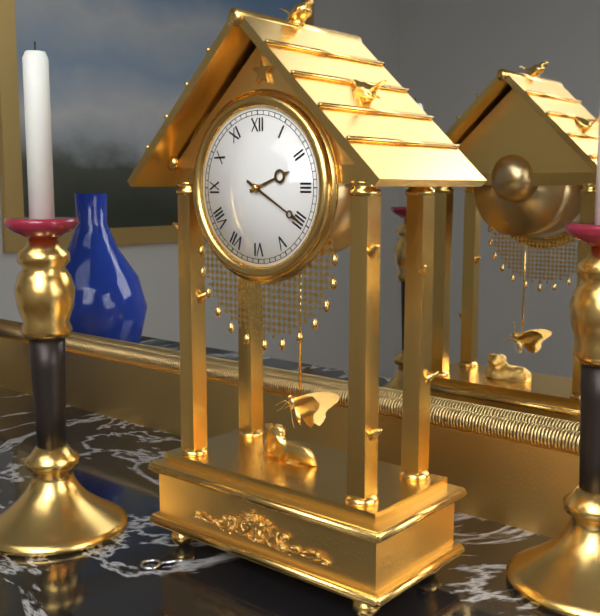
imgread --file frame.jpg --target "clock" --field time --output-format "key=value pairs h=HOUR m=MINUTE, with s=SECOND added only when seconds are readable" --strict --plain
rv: h=2 m=20
